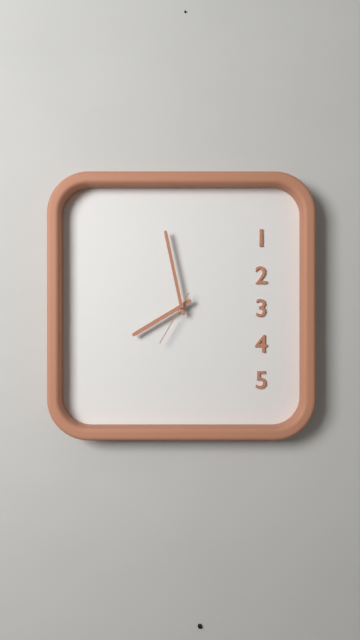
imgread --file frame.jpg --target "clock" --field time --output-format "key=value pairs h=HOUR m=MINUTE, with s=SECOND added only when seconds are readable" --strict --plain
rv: h=7 m=58 s=35
